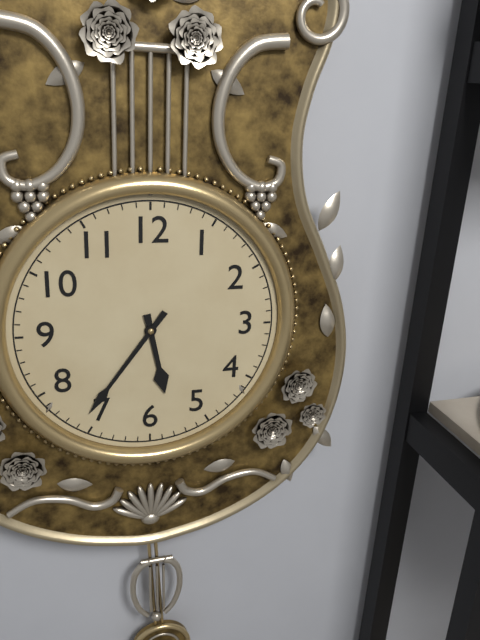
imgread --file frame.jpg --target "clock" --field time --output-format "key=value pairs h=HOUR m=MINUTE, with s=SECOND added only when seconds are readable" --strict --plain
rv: h=5 m=36
